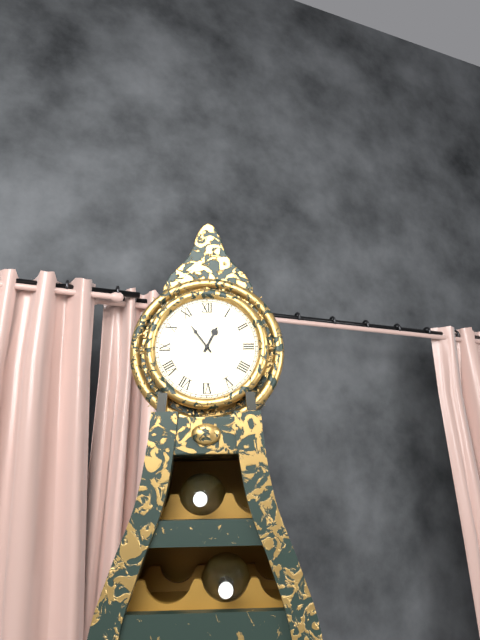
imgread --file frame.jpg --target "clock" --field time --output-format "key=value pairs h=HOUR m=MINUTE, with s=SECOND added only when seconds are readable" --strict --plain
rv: h=12 m=54
